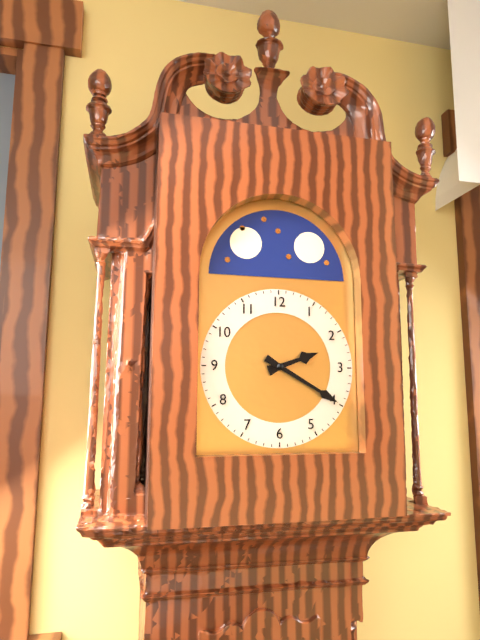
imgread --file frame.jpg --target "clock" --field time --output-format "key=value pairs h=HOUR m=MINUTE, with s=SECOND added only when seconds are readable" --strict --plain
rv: h=2 m=20
